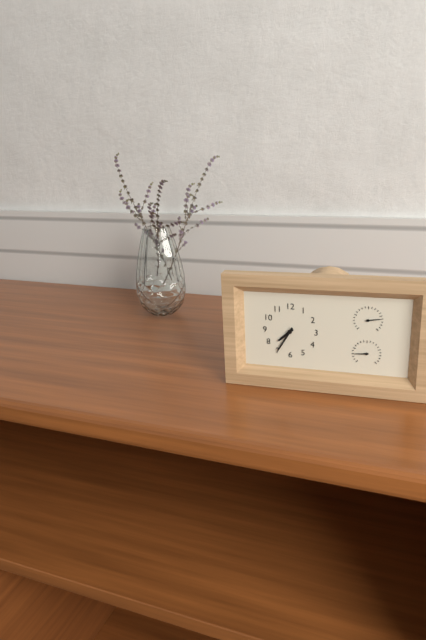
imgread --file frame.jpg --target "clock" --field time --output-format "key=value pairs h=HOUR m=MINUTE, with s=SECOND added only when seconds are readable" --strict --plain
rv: h=7 m=35
